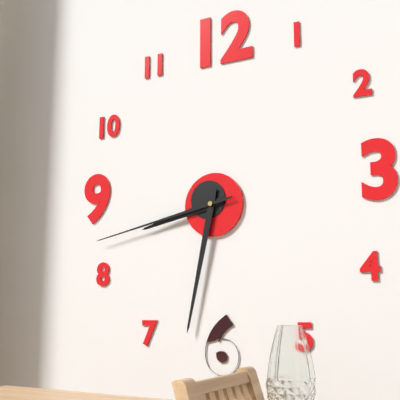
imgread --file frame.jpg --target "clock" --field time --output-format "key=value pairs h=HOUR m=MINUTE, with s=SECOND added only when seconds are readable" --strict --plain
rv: h=8 m=32 s=43
